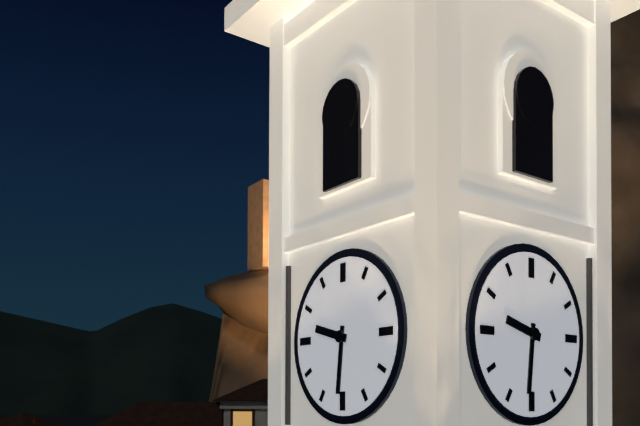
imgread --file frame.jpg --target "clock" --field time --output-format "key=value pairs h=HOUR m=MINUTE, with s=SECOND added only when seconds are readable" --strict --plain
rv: h=9 m=31
